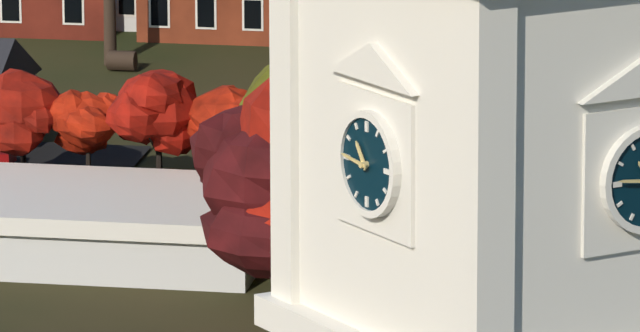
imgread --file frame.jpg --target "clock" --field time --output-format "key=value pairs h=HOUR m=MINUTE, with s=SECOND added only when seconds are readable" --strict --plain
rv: h=10 m=46
